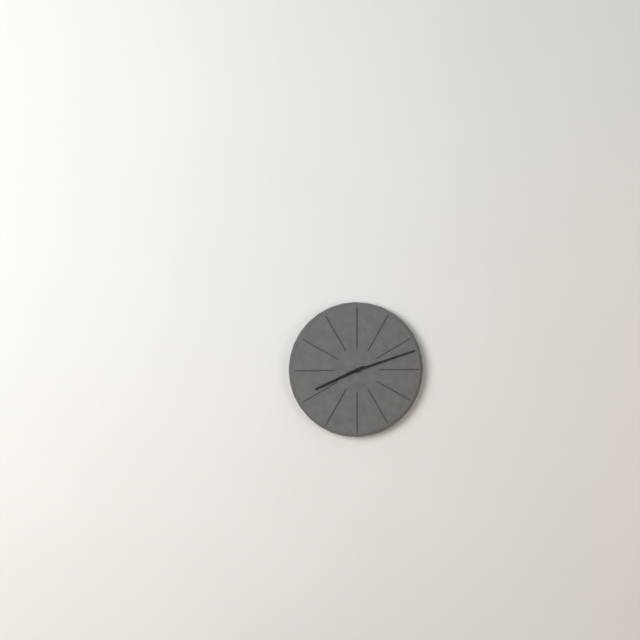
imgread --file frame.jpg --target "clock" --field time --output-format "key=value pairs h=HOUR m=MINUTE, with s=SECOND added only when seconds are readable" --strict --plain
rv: h=8 m=12
